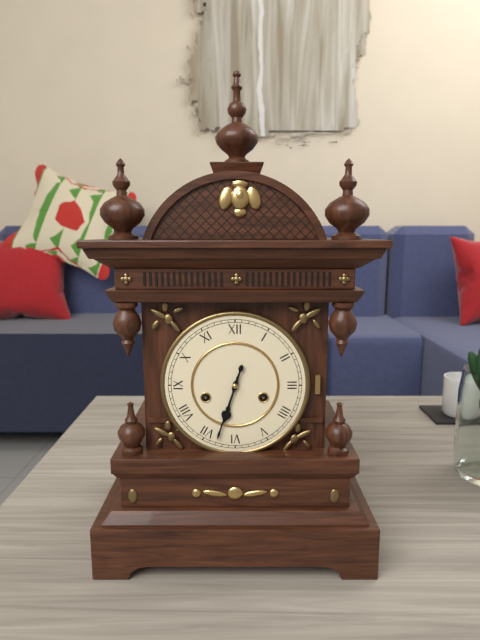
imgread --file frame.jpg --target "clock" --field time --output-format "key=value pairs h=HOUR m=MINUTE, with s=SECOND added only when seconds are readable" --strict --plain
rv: h=6 m=33
